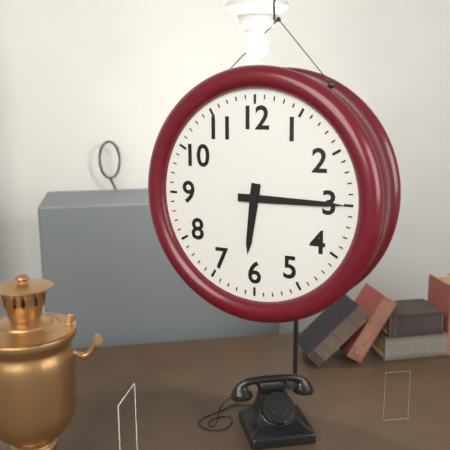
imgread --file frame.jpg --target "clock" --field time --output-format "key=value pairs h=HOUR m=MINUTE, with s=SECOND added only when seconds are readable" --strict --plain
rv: h=6 m=15
